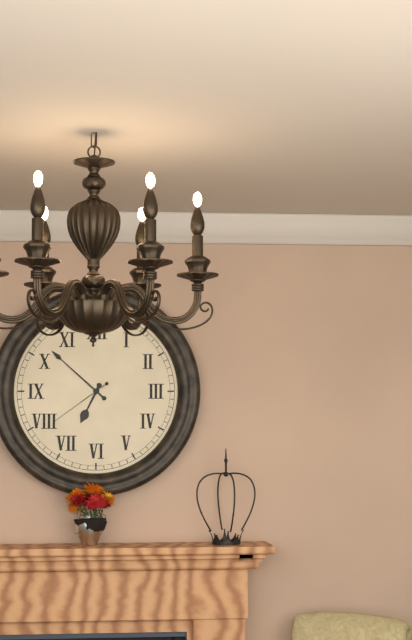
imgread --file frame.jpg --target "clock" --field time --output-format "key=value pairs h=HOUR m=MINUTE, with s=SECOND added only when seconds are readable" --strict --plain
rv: h=6 m=52 s=39
